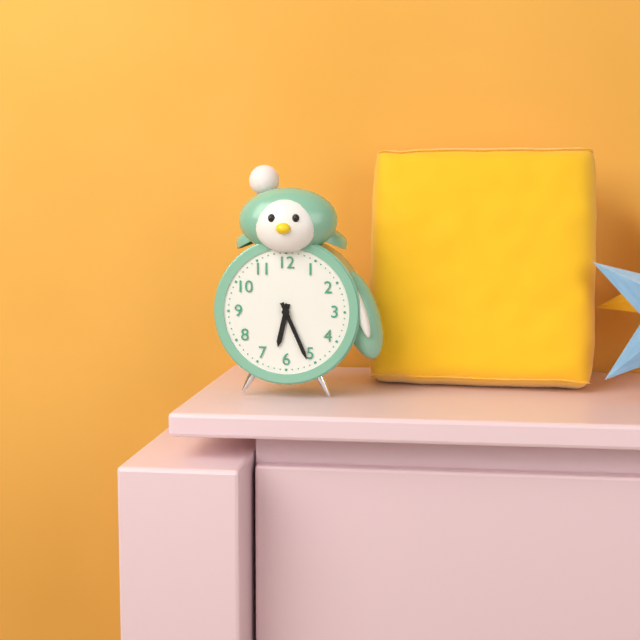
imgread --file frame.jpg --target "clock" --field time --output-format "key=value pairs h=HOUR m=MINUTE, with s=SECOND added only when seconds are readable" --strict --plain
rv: h=6 m=26
